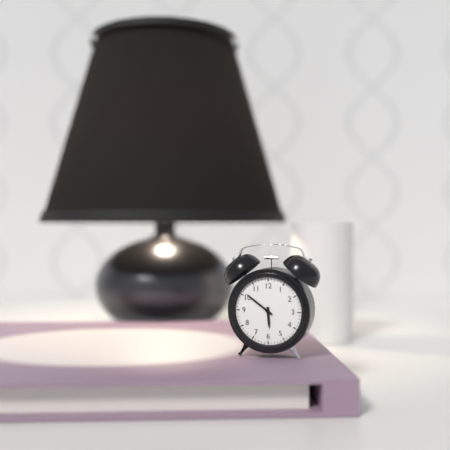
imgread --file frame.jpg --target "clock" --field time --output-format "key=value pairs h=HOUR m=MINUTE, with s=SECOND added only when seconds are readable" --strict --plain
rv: h=5 m=51
